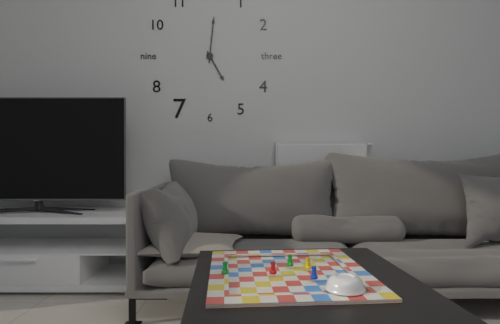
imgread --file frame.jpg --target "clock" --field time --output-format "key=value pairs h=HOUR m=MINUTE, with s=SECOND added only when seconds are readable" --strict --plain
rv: h=5 m=1
